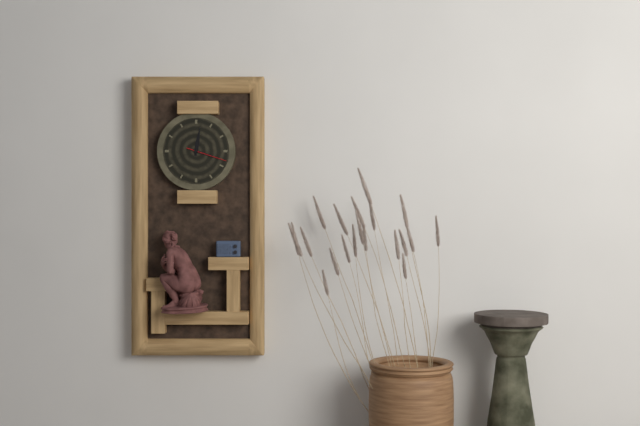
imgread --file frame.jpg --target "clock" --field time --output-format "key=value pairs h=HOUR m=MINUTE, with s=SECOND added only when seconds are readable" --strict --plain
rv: h=12 m=18
